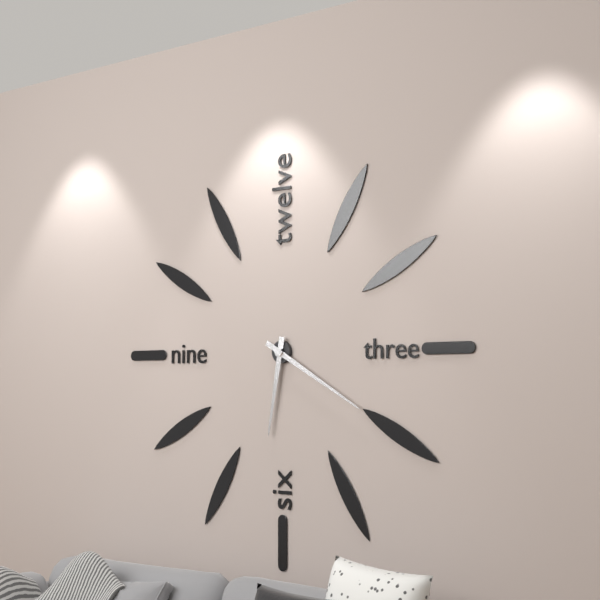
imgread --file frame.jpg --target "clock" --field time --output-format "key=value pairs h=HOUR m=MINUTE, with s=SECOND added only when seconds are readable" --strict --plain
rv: h=6 m=20
